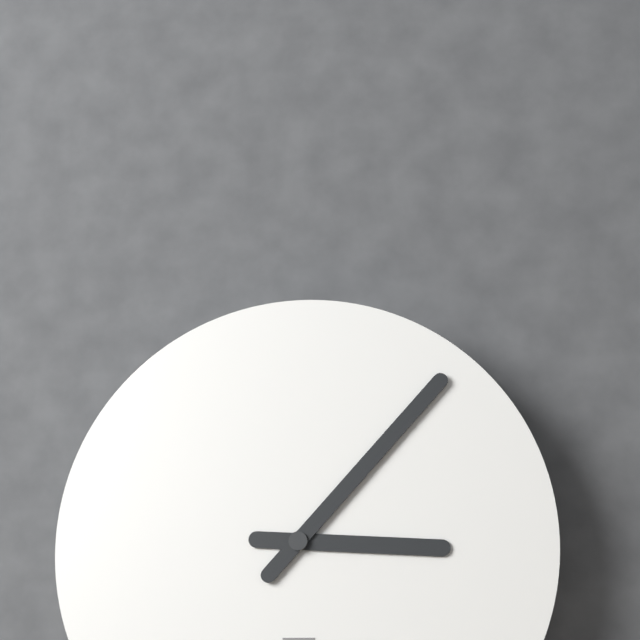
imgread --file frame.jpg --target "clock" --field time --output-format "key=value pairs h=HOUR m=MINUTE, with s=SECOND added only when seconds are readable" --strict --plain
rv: h=3 m=7
